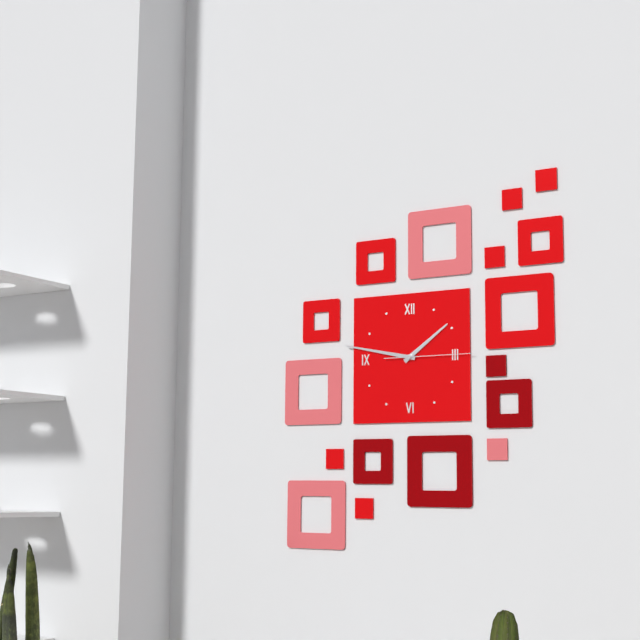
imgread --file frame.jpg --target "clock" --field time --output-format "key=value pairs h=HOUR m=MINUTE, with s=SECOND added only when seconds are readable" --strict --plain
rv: h=1 m=47 s=15
